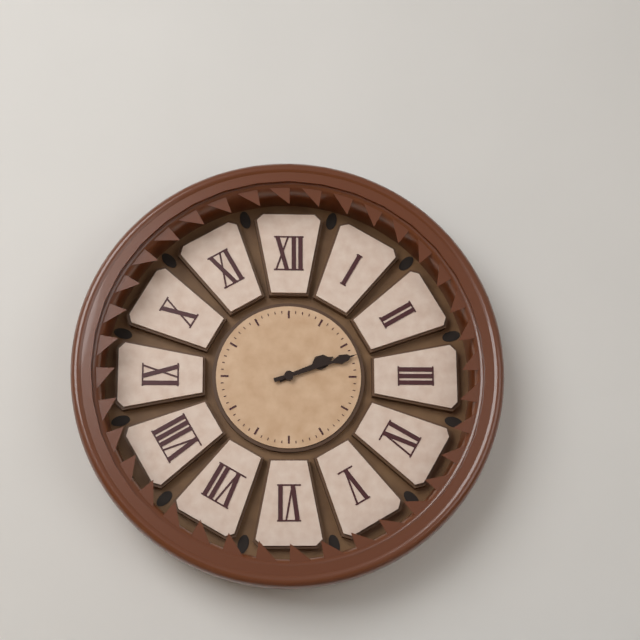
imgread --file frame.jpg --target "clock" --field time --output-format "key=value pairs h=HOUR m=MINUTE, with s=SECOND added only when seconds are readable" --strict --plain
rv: h=2 m=12
